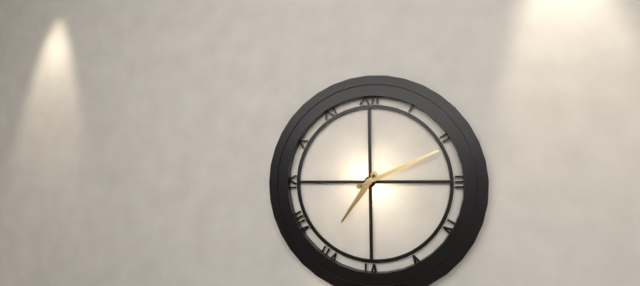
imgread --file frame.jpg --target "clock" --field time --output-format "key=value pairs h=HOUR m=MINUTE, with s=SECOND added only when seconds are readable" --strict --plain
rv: h=7 m=11
